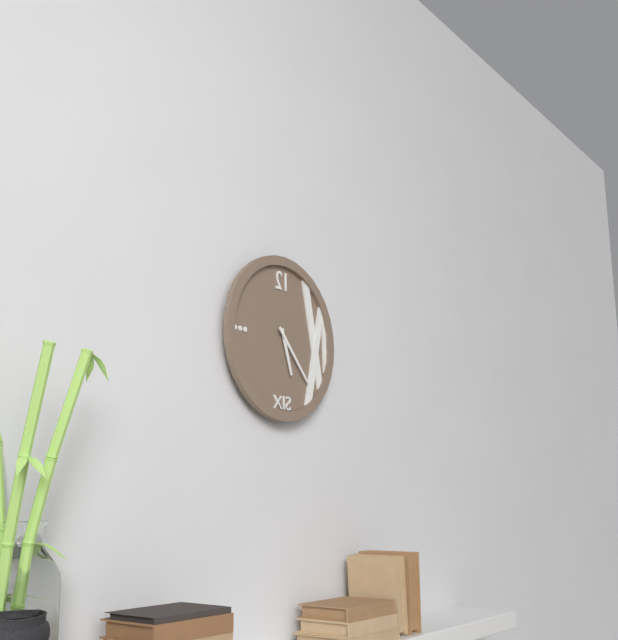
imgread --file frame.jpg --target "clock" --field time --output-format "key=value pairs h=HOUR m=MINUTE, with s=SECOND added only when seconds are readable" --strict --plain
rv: h=5 m=23
